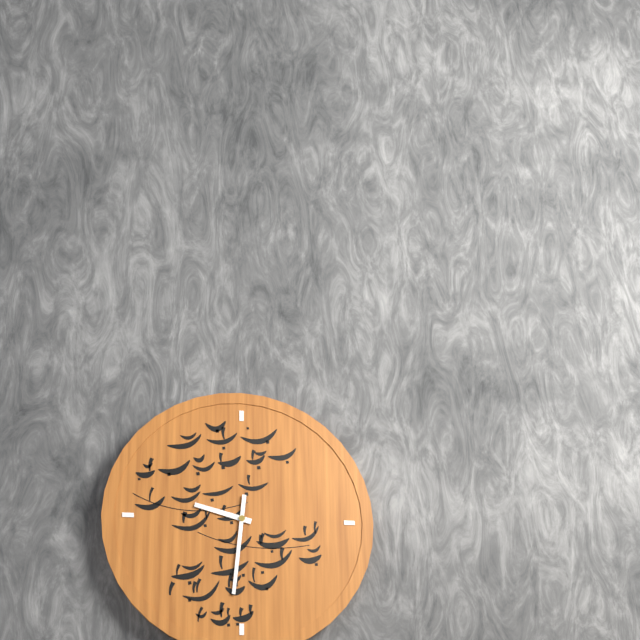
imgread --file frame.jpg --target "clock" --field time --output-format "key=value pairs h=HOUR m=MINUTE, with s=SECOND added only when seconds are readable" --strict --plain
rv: h=9 m=31
